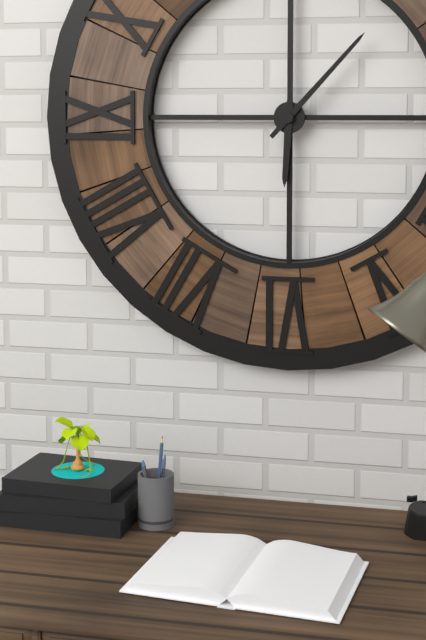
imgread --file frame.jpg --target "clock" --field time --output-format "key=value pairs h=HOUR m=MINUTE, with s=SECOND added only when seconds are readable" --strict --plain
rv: h=6 m=7
